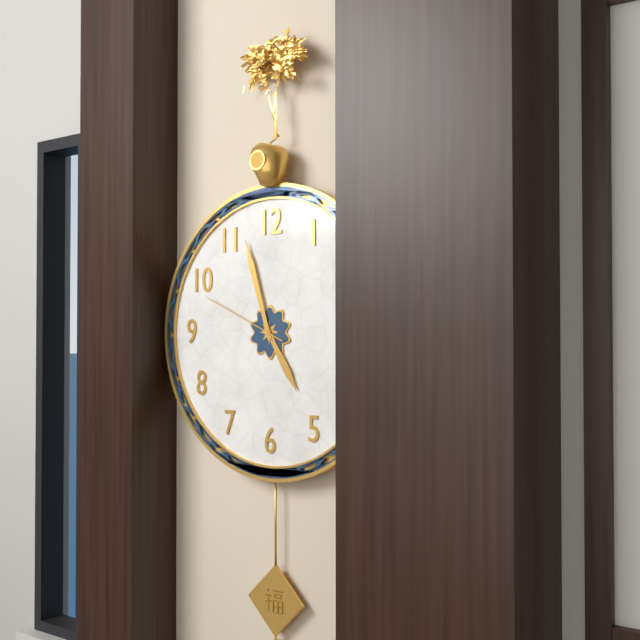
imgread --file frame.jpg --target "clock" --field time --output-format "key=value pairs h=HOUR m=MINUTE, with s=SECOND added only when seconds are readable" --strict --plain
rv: h=4 m=57 s=49
